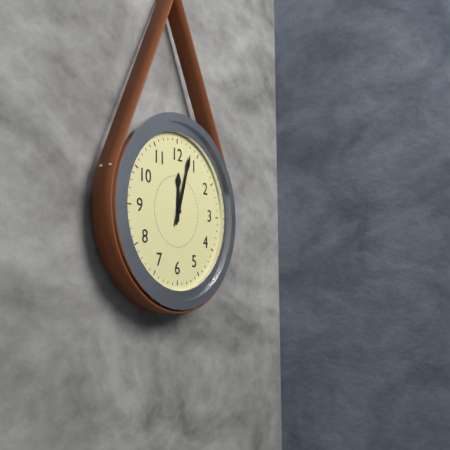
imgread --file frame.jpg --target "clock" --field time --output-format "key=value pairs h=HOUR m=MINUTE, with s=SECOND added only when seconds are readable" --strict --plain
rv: h=12 m=3
